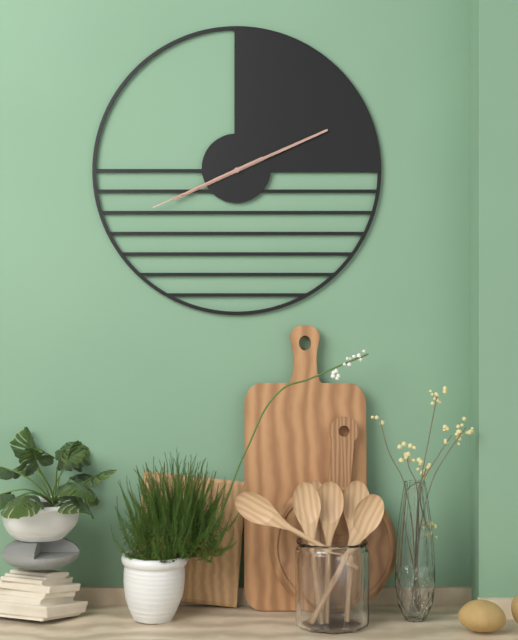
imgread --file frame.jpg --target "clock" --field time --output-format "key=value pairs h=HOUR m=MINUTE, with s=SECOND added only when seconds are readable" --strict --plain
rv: h=8 m=11 s=41
